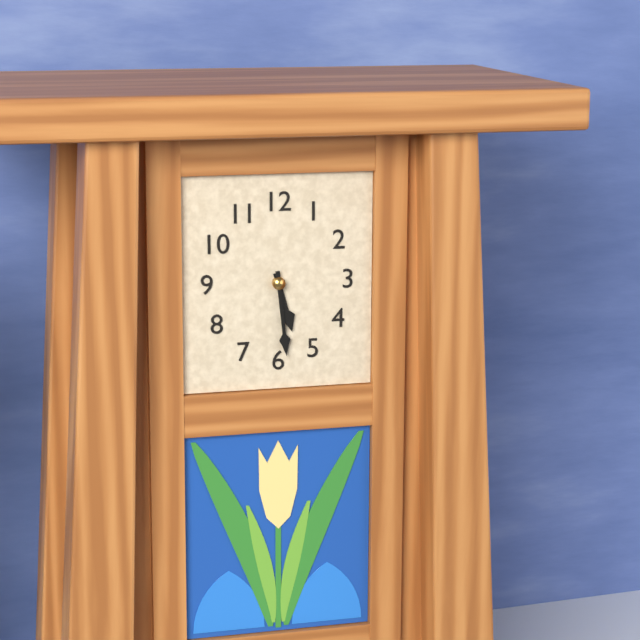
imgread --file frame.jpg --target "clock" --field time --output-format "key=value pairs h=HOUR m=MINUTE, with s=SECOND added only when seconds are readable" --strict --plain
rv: h=5 m=29
